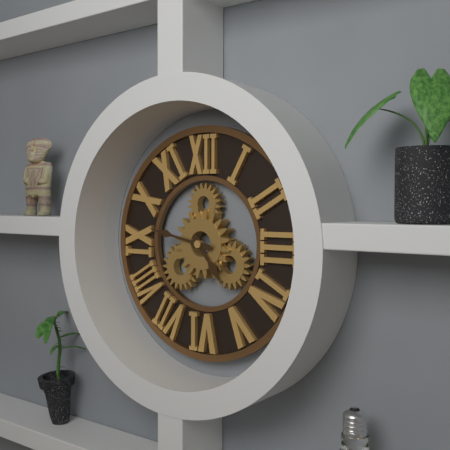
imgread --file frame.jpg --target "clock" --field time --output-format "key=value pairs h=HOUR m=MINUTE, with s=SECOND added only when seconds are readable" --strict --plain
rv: h=4 m=47
